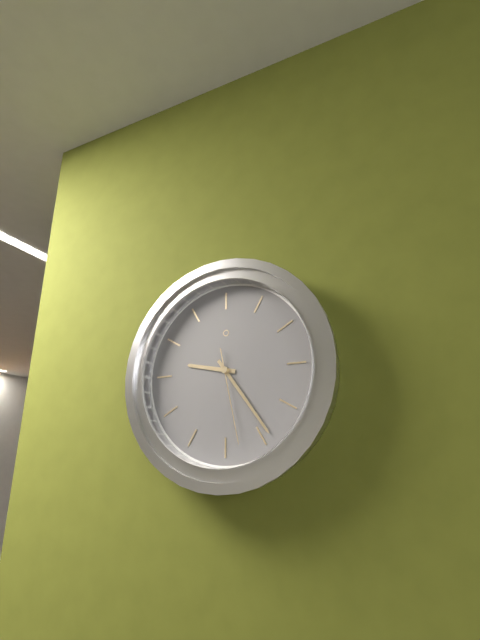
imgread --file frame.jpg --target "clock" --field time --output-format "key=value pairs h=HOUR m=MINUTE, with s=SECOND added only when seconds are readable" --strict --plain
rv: h=9 m=24 s=28
